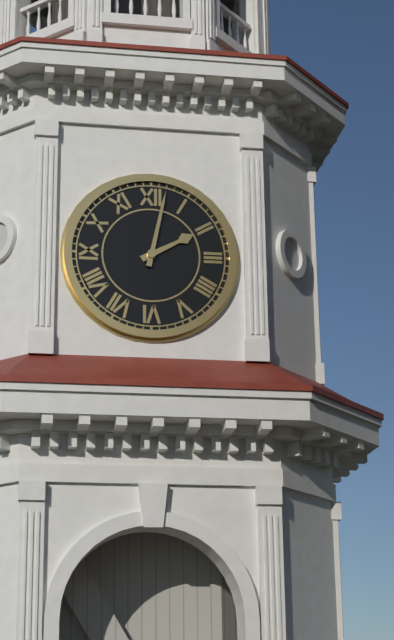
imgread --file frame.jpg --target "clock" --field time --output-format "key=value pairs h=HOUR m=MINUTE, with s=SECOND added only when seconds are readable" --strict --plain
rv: h=2 m=2
